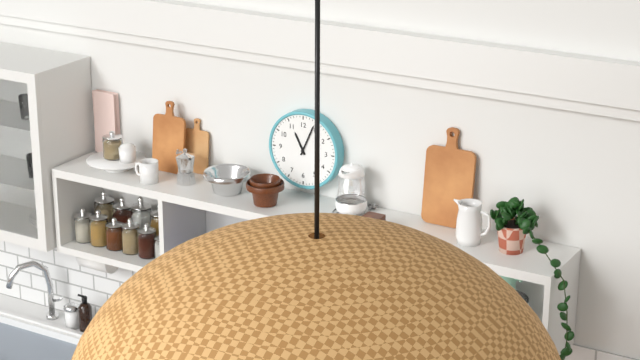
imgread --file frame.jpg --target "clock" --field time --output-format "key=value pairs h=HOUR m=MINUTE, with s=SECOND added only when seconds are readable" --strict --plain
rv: h=11 m=4
